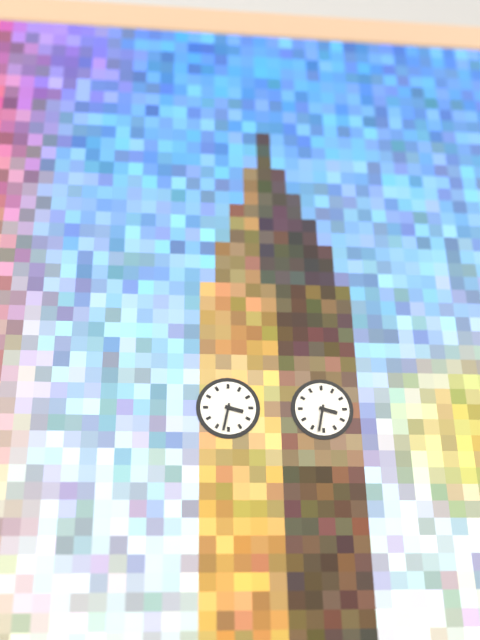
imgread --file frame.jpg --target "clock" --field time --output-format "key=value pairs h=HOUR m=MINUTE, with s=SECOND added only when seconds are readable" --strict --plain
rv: h=3 m=32
